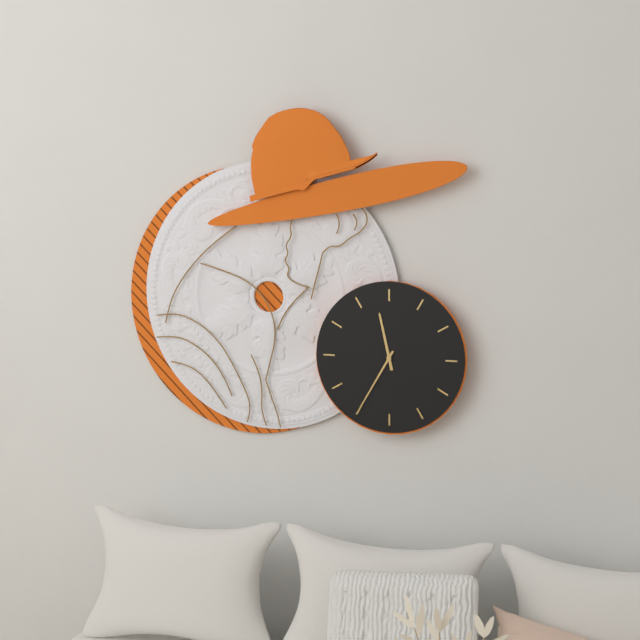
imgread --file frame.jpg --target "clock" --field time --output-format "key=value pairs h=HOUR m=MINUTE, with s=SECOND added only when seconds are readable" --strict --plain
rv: h=11 m=35
